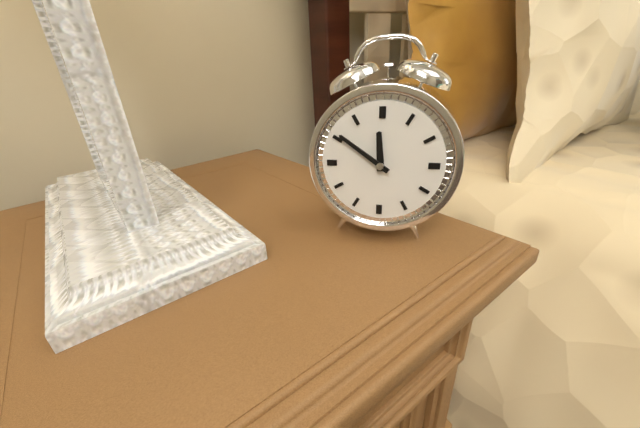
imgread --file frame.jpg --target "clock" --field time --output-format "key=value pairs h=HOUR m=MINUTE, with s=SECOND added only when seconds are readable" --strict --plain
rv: h=11 m=51
